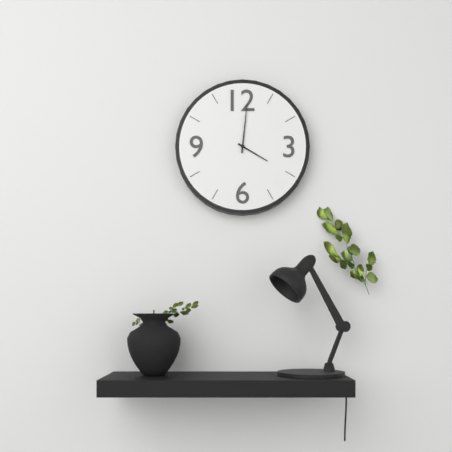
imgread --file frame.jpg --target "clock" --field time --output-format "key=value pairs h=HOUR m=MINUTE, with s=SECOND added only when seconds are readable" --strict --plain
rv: h=4 m=1
